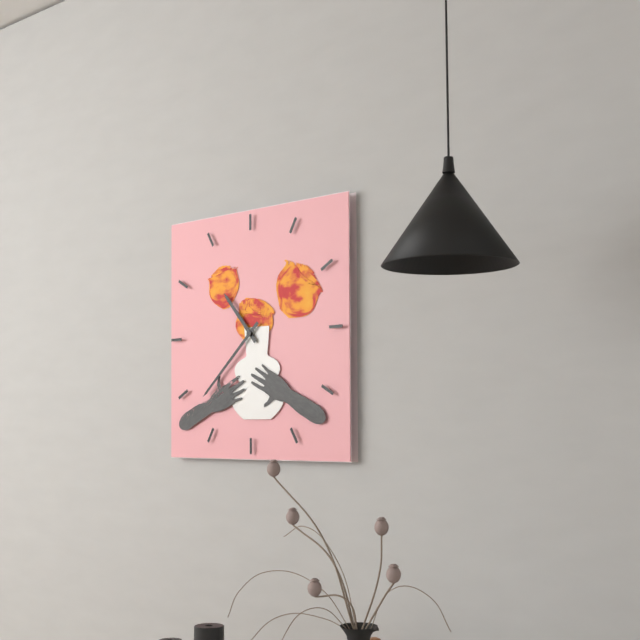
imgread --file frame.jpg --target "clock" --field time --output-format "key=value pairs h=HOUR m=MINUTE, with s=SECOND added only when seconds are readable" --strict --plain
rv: h=10 m=38
